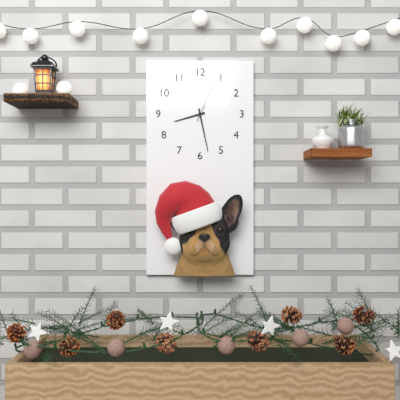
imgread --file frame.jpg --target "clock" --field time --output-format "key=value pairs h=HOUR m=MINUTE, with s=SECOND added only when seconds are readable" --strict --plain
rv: h=8 m=28
